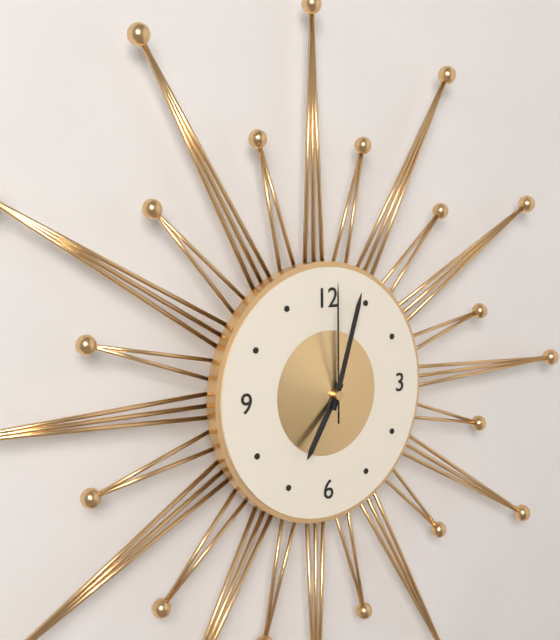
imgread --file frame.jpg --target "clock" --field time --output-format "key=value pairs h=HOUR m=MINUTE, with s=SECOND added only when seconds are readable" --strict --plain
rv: h=7 m=3 s=0
